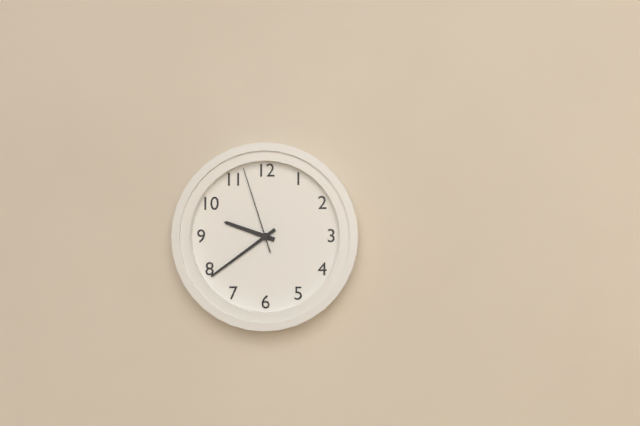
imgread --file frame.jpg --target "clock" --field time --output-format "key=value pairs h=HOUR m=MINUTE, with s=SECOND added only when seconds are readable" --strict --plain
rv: h=9 m=39 s=57
